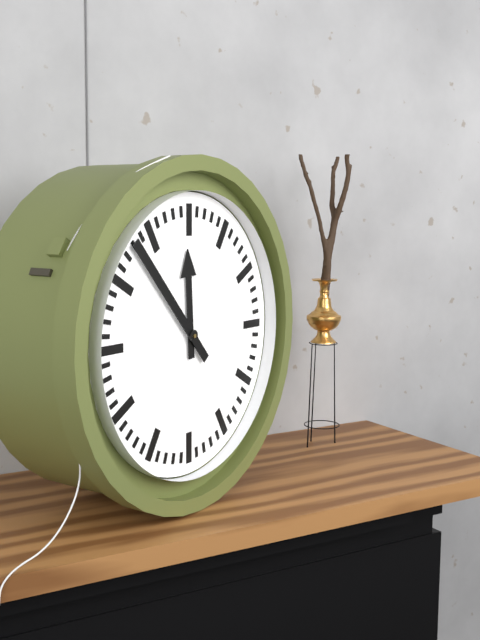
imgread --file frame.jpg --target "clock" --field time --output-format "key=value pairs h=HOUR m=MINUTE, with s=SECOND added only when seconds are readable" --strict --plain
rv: h=11 m=53
